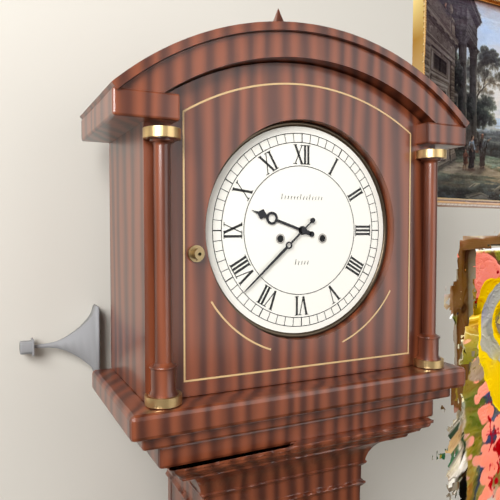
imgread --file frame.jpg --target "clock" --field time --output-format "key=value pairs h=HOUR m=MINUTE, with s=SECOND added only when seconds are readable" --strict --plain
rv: h=9 m=38
